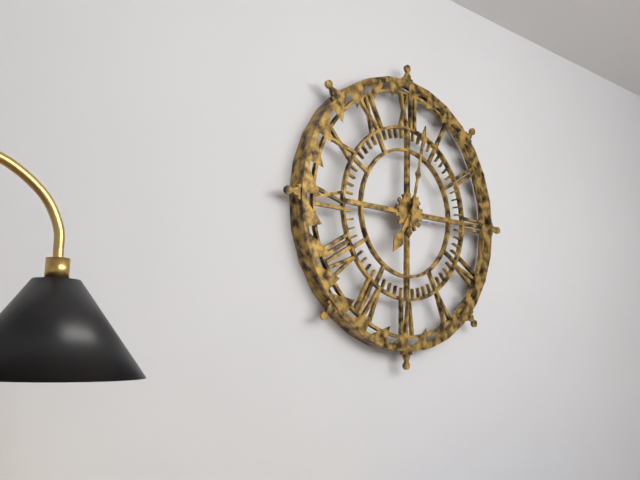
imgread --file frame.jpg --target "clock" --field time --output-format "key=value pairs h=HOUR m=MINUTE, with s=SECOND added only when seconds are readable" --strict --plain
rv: h=7 m=2
